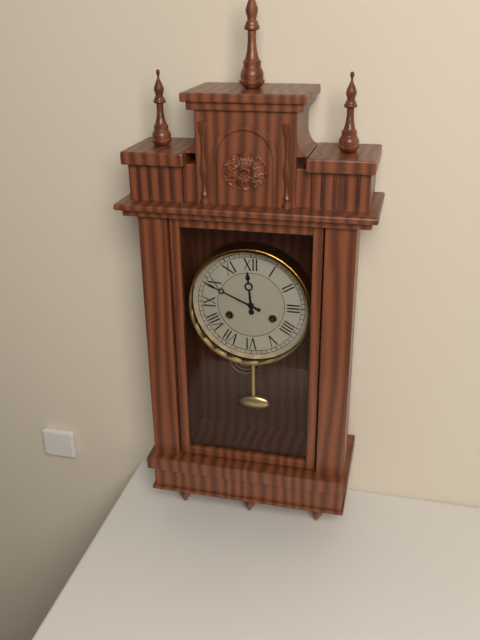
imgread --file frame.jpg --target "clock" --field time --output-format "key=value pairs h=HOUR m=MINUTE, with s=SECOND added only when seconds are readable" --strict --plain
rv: h=11 m=49
